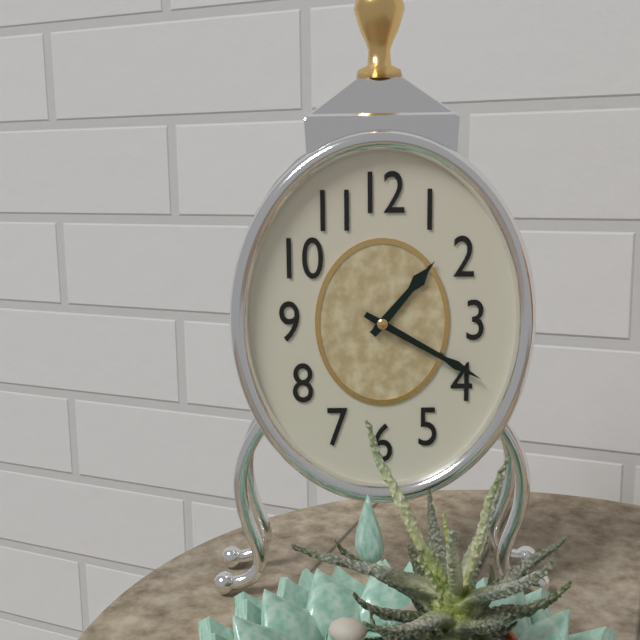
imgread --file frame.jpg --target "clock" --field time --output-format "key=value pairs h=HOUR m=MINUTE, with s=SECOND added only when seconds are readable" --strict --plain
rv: h=1 m=20
